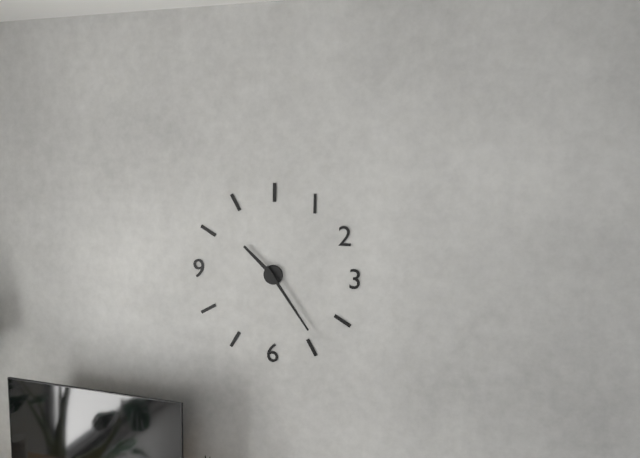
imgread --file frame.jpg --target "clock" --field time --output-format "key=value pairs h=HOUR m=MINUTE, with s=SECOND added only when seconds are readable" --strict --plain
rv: h=10 m=24
